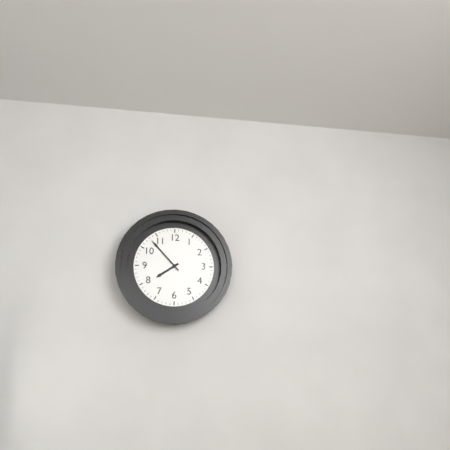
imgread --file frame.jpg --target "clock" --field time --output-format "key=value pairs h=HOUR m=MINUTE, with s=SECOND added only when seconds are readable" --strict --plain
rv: h=7 m=53
